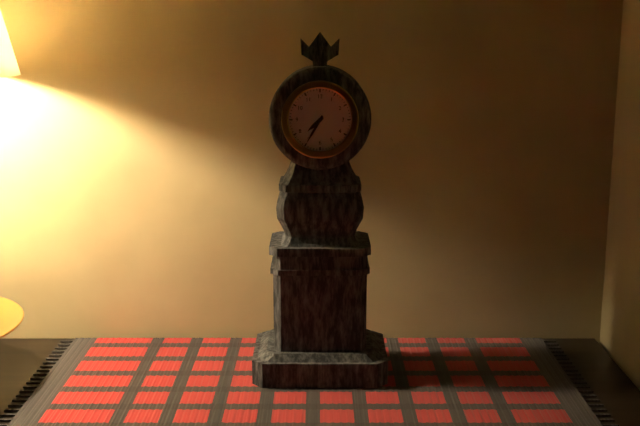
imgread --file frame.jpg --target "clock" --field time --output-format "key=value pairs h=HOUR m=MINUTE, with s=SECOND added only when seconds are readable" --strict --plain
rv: h=7 m=35
